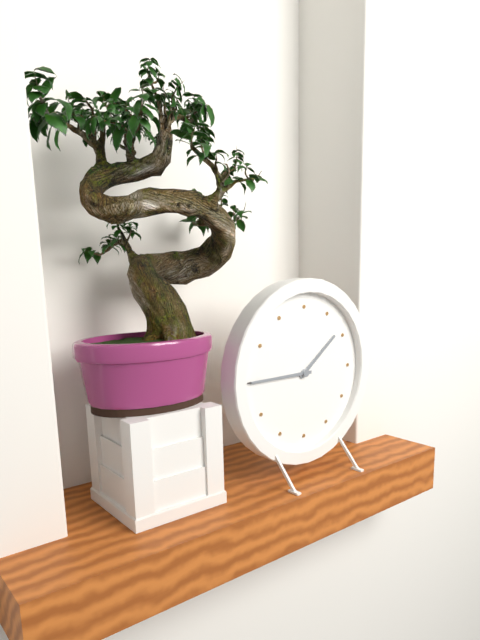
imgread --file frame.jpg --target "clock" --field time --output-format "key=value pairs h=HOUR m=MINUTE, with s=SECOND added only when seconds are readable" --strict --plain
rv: h=1 m=45
